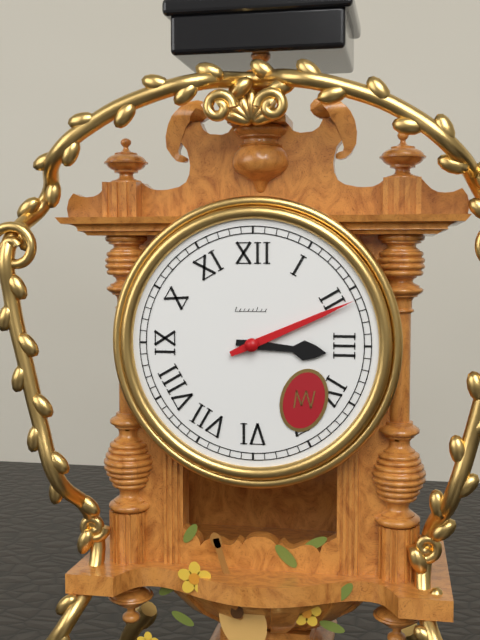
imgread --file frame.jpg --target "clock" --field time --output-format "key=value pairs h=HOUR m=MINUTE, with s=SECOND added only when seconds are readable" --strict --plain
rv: h=3 m=11
